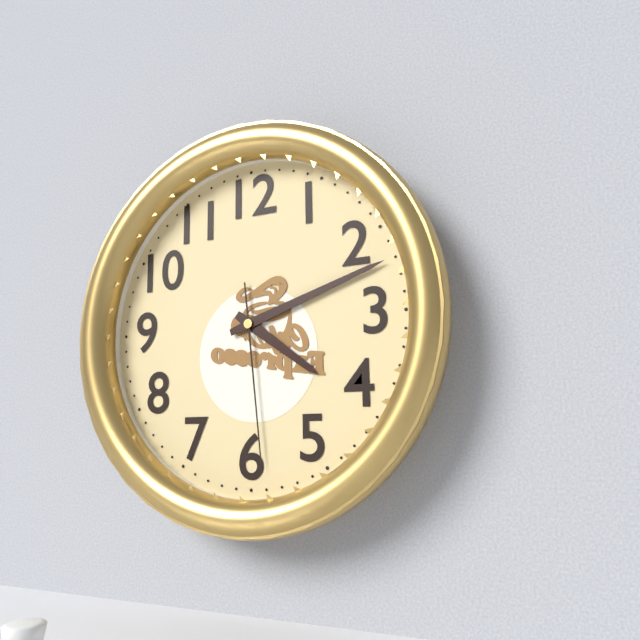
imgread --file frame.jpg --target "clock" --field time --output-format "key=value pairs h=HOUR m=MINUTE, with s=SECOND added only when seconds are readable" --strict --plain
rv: h=4 m=12 s=29
